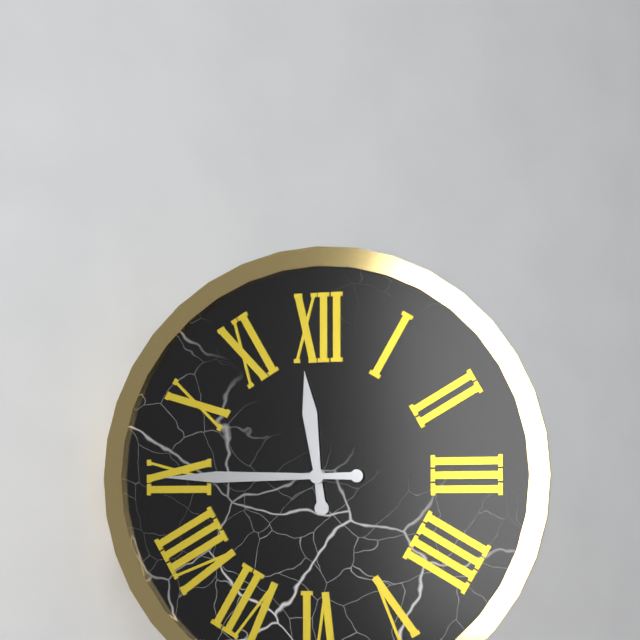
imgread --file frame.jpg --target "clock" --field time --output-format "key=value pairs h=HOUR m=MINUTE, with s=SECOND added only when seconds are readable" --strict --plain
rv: h=11 m=45
